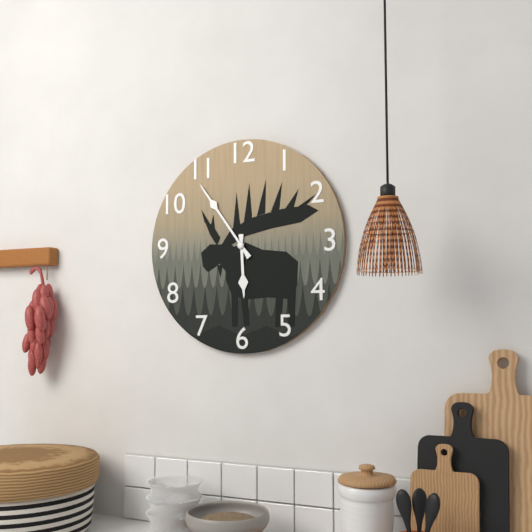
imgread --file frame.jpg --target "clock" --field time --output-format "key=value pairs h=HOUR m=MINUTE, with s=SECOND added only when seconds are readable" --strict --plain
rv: h=5 m=54
